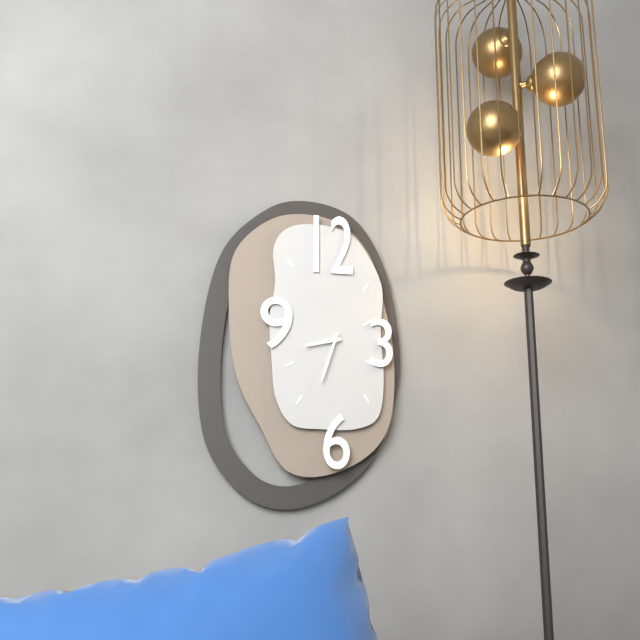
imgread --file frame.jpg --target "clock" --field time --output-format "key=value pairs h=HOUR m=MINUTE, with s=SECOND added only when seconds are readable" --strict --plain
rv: h=8 m=33
